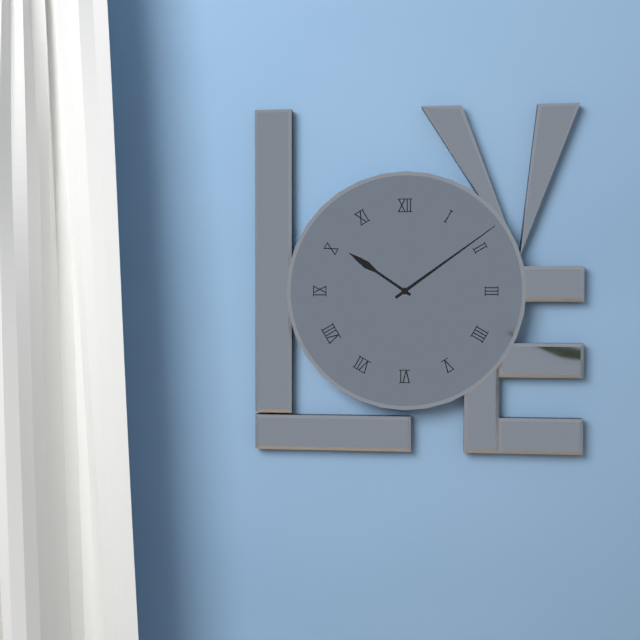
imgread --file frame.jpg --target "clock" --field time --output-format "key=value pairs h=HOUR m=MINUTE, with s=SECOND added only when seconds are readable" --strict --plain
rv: h=10 m=9
